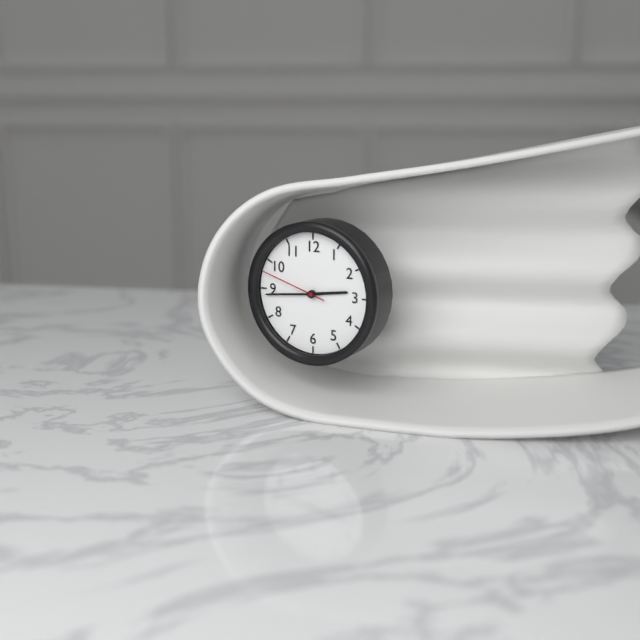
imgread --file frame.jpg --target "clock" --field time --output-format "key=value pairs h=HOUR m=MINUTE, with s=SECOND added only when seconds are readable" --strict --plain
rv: h=2 m=44 s=48
